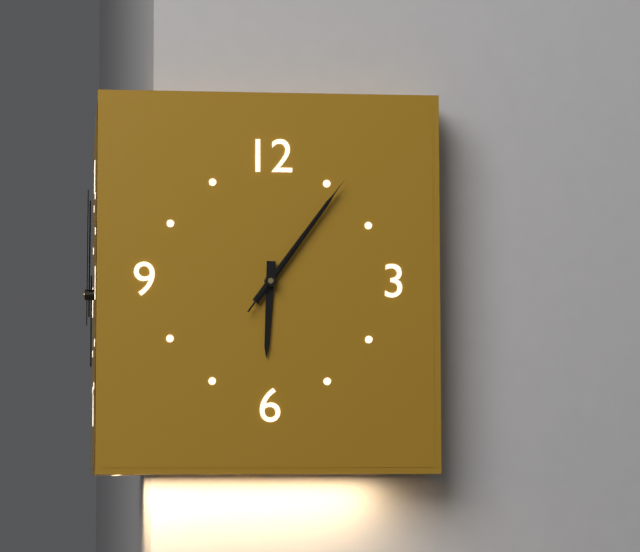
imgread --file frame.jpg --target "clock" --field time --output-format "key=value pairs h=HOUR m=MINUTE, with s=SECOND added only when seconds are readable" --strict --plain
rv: h=6 m=6 s=6
